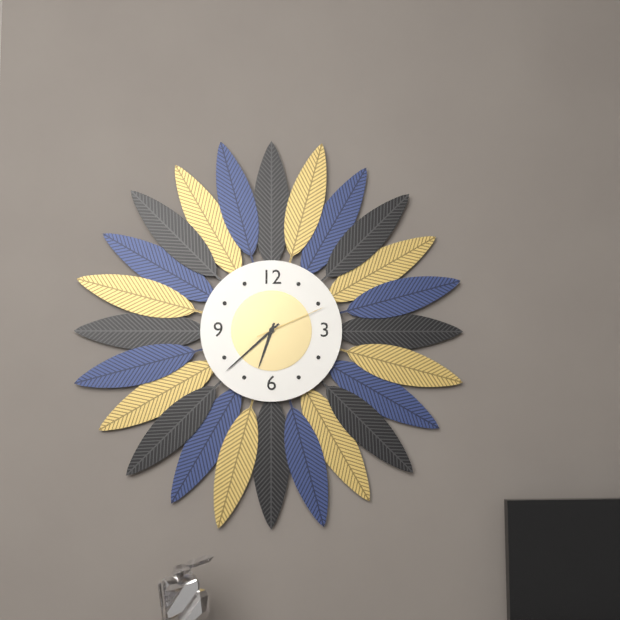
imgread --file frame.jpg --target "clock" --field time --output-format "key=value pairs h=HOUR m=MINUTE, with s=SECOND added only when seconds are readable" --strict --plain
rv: h=6 m=38 s=11
